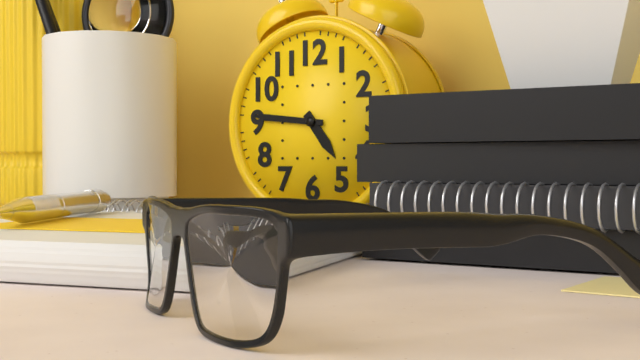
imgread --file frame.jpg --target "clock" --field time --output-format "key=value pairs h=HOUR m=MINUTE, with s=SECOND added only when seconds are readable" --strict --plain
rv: h=4 m=46
